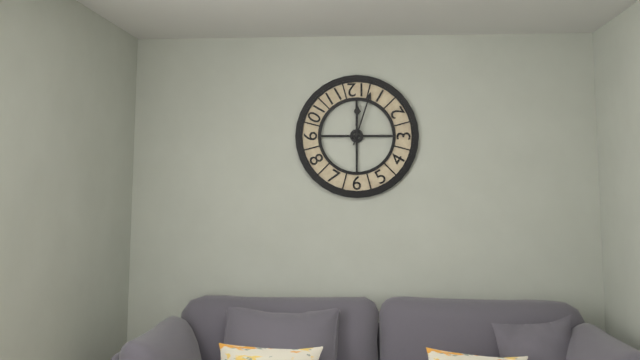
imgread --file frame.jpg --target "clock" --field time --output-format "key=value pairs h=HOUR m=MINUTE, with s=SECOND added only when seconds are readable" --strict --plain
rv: h=12 m=3
